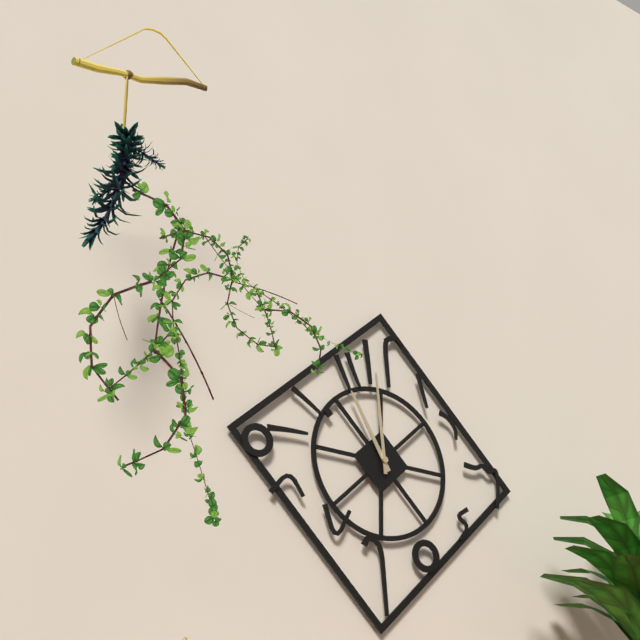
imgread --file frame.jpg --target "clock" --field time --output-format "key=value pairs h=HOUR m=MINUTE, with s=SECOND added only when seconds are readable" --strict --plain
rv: h=10 m=59
